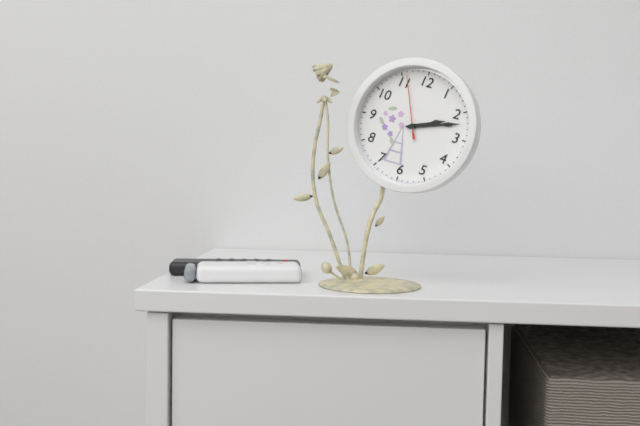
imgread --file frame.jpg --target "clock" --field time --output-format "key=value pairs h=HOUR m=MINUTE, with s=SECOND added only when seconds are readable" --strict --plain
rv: h=2 m=12 s=56
